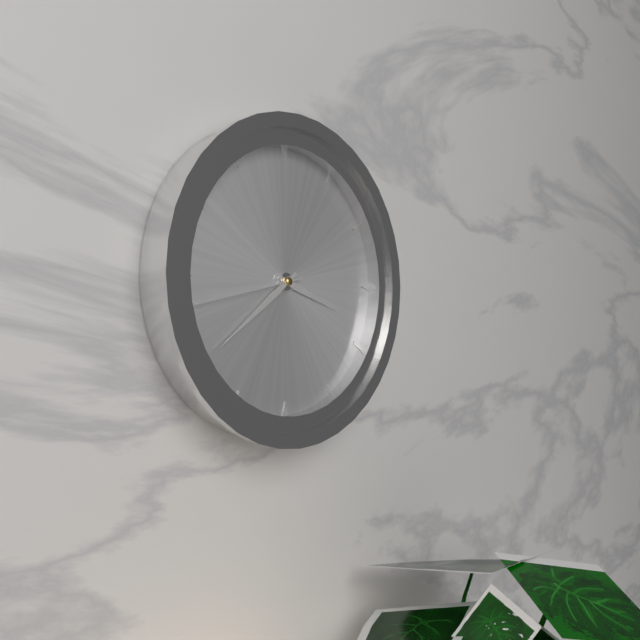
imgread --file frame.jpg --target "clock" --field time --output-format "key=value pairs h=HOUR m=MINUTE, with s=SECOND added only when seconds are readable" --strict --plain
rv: h=3 m=39 s=43
